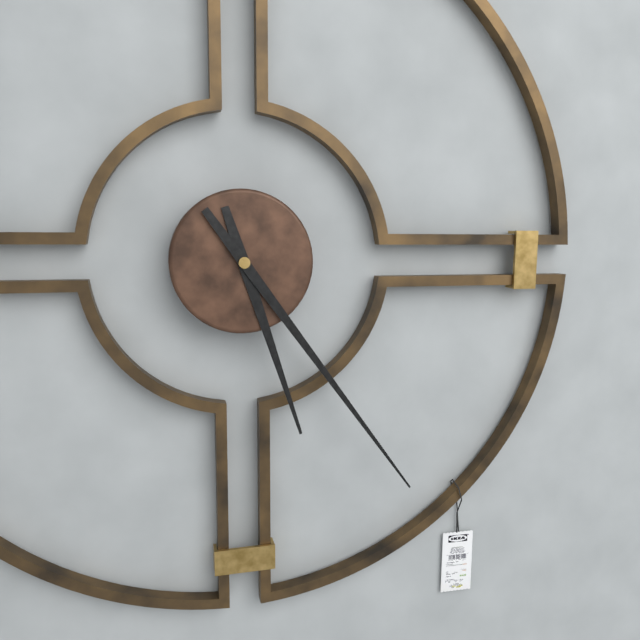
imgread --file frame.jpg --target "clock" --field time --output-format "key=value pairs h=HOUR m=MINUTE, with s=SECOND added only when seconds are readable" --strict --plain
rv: h=5 m=24
